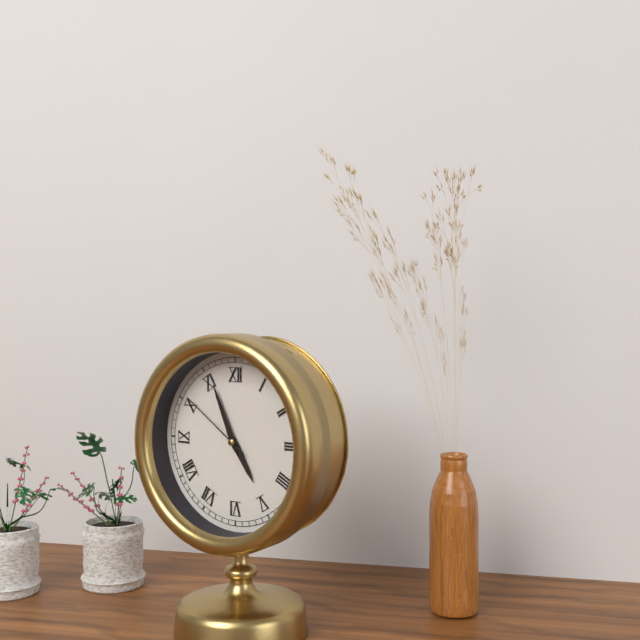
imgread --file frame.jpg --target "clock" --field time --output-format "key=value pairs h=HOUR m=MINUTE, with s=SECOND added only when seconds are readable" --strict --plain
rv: h=4 m=56 s=51
